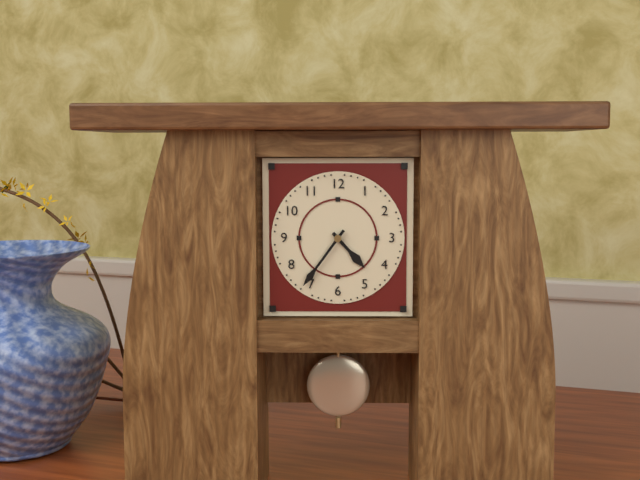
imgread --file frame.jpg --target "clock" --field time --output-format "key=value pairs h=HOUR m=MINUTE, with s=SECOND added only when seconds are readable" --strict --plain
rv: h=4 m=36
